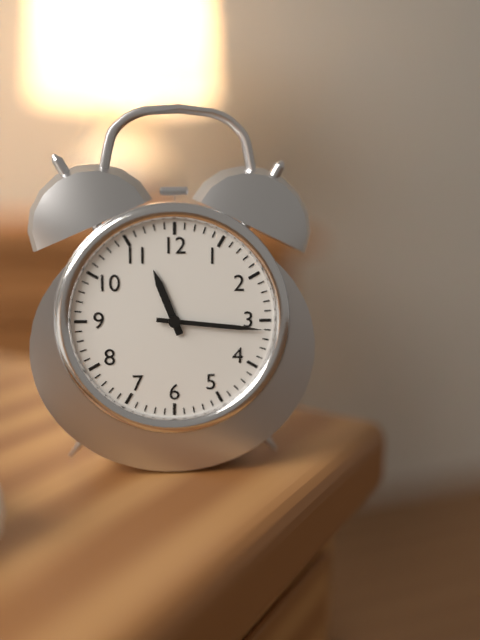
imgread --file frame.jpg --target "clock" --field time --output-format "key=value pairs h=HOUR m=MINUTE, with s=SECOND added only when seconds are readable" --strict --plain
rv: h=11 m=16
